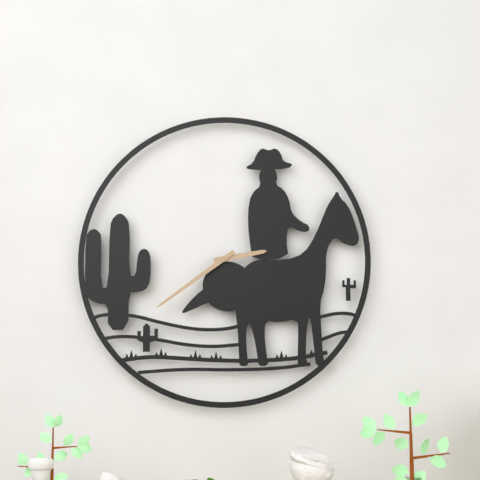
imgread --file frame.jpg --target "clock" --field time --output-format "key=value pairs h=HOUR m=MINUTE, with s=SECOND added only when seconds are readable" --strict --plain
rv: h=2 m=39
